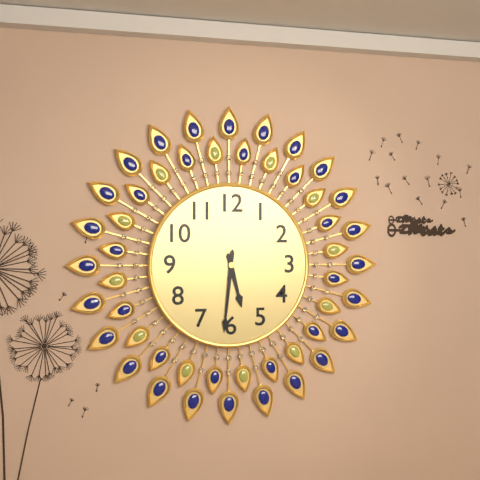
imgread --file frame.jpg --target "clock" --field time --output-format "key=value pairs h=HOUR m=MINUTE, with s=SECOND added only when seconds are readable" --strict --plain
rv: h=5 m=31
